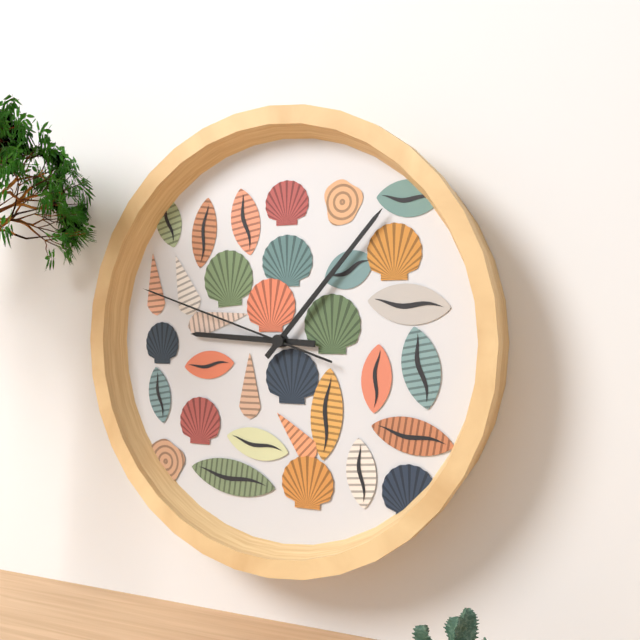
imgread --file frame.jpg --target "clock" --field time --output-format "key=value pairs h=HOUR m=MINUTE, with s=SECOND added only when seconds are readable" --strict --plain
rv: h=9 m=7 s=48
